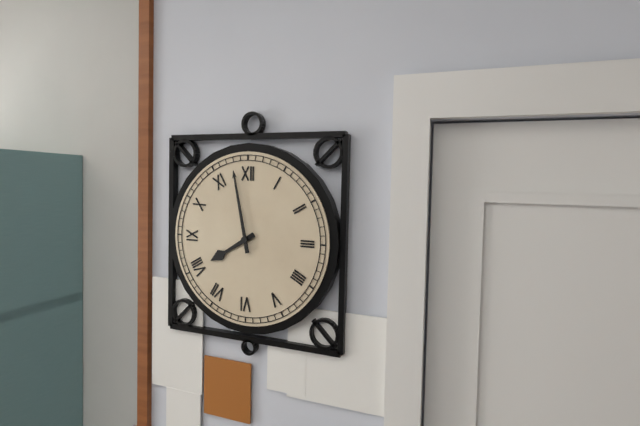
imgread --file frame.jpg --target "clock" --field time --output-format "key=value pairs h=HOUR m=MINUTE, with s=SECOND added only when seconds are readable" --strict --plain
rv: h=7 m=58
